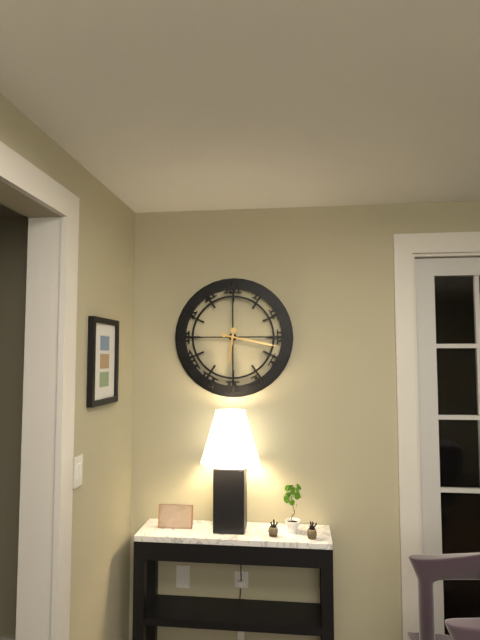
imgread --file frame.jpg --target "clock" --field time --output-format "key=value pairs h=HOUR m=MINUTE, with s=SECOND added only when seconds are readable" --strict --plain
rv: h=6 m=17
